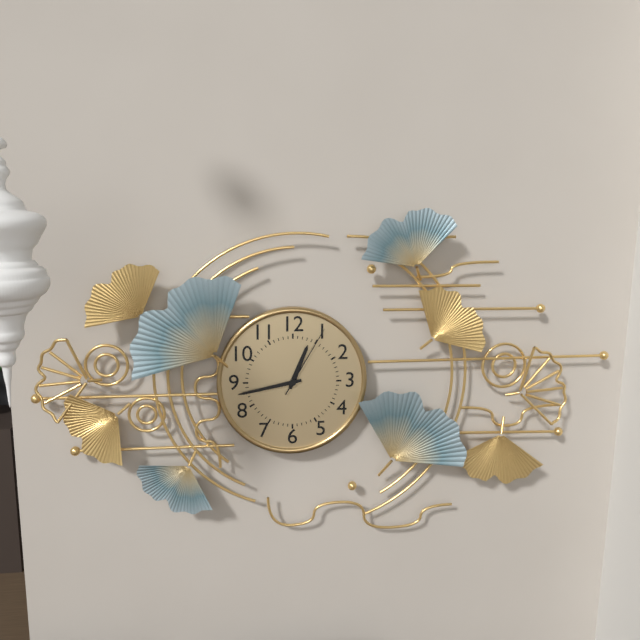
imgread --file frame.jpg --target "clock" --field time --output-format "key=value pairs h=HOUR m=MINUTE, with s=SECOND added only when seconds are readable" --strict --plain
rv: h=12 m=43 s=5
